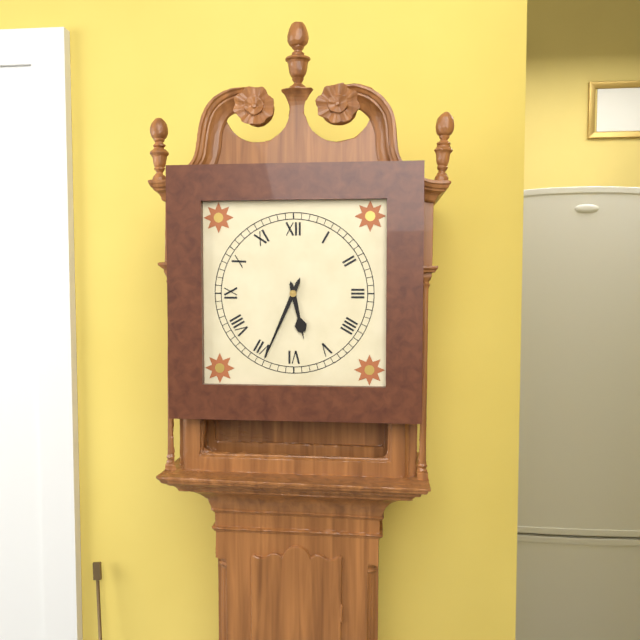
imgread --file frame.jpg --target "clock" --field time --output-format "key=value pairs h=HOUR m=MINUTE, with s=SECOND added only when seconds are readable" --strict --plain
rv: h=5 m=34
